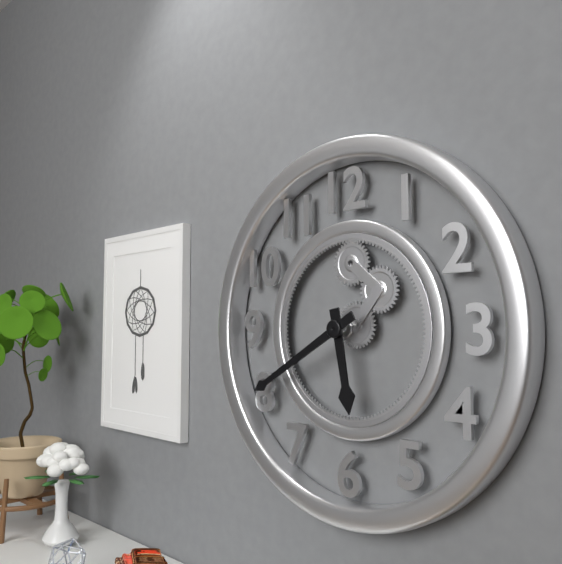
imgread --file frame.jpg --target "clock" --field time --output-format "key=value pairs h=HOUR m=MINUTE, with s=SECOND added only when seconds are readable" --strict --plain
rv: h=5 m=40
